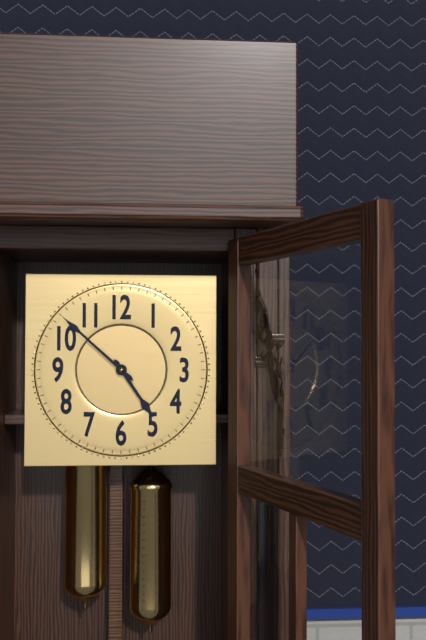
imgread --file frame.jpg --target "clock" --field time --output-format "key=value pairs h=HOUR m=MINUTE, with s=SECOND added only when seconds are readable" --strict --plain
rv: h=4 m=52
